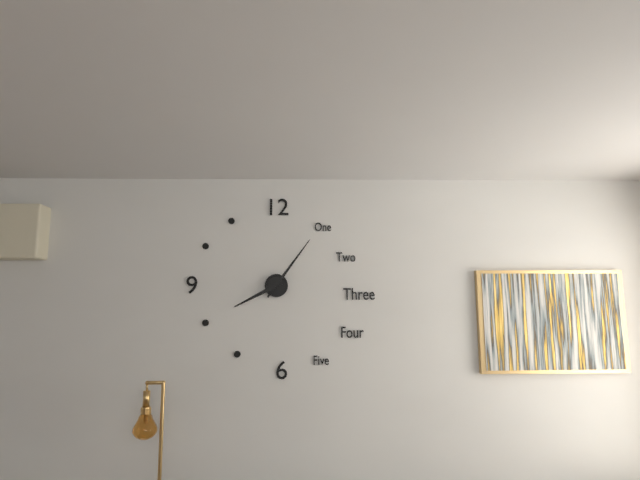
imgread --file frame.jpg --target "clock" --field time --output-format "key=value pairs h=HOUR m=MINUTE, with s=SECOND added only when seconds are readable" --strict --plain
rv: h=8 m=6
